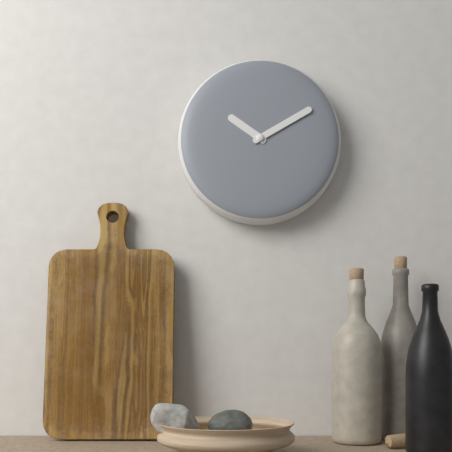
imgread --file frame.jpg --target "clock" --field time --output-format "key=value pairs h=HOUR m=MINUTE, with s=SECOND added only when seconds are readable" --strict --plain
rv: h=10 m=10
